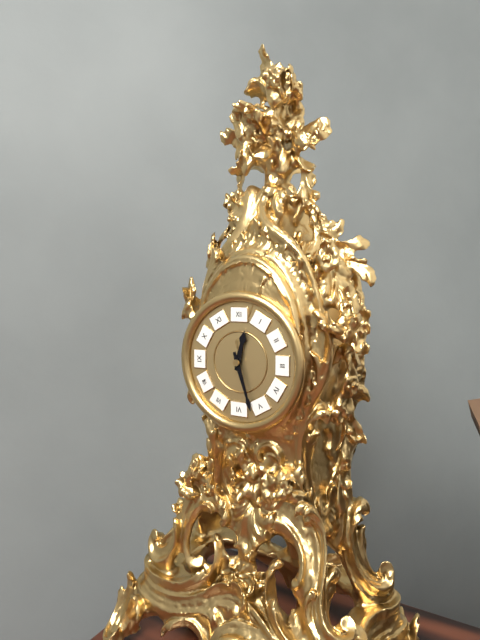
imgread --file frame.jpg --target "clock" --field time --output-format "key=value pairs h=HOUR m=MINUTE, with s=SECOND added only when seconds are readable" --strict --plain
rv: h=12 m=27
